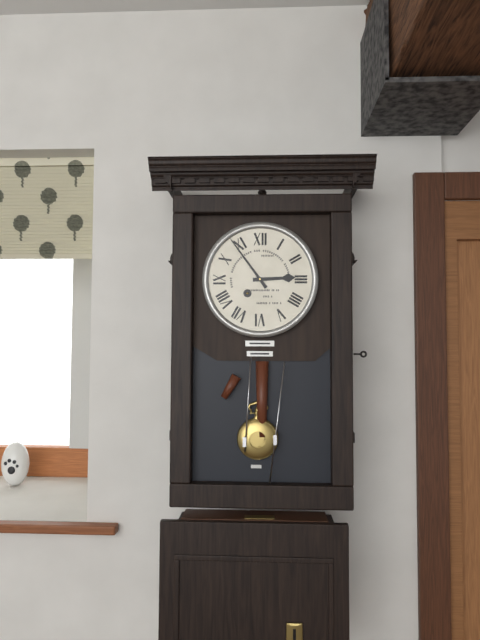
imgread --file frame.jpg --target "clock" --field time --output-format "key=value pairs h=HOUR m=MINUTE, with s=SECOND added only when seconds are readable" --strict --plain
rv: h=2 m=54
